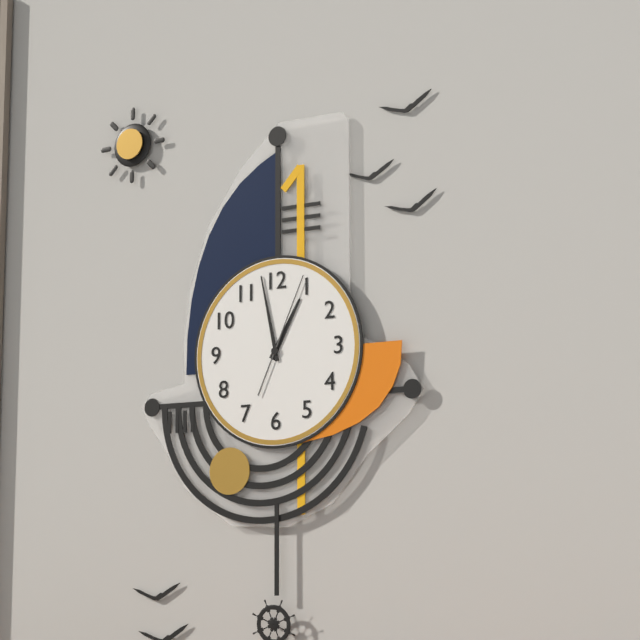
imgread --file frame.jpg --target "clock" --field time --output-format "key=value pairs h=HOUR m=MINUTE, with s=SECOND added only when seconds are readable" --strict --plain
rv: h=12 m=58 s=4
